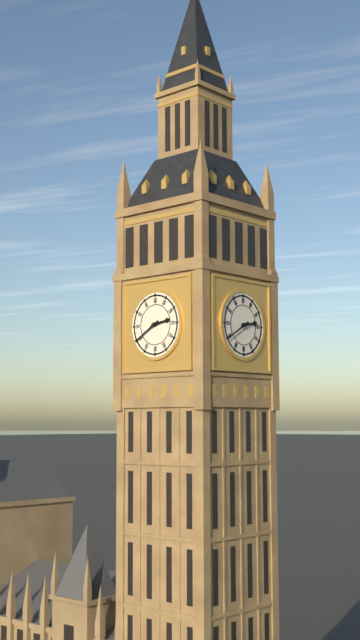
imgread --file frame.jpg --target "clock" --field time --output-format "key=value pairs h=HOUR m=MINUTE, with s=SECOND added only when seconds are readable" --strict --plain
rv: h=2 m=40
